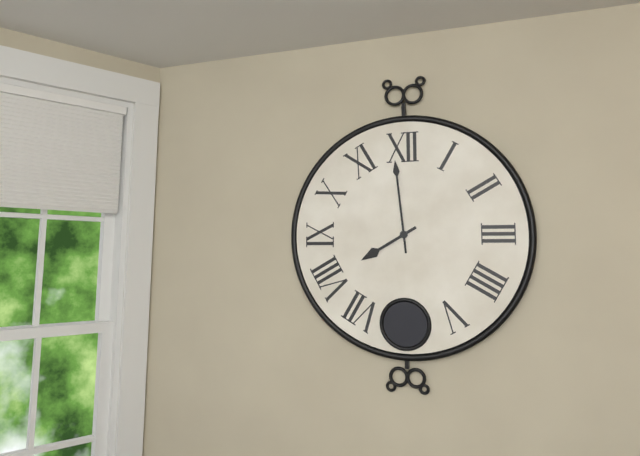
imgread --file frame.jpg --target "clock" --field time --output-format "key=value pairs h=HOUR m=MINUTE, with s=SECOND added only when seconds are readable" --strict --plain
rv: h=7 m=59
